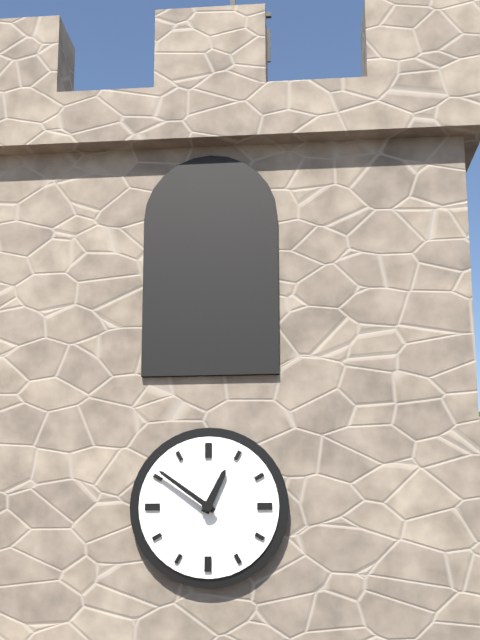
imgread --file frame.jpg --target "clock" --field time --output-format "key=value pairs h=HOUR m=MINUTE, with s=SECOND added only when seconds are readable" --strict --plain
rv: h=12 m=51
